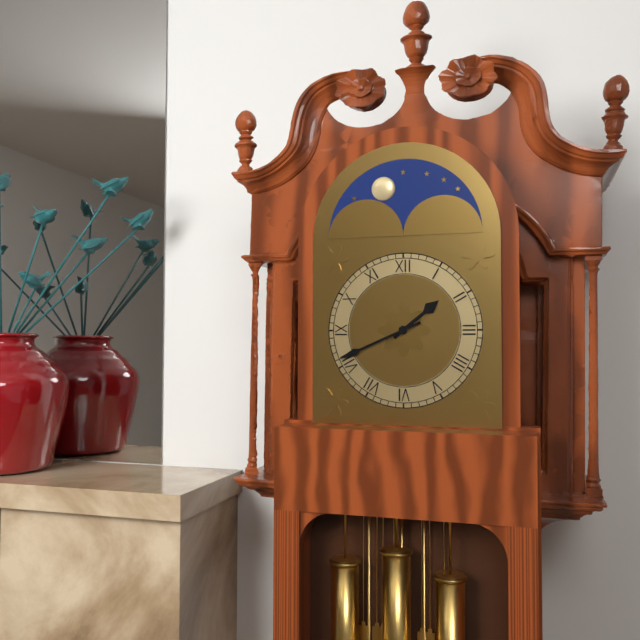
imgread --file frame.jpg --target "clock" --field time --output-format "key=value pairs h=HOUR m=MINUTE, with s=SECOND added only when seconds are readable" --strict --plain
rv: h=1 m=41
